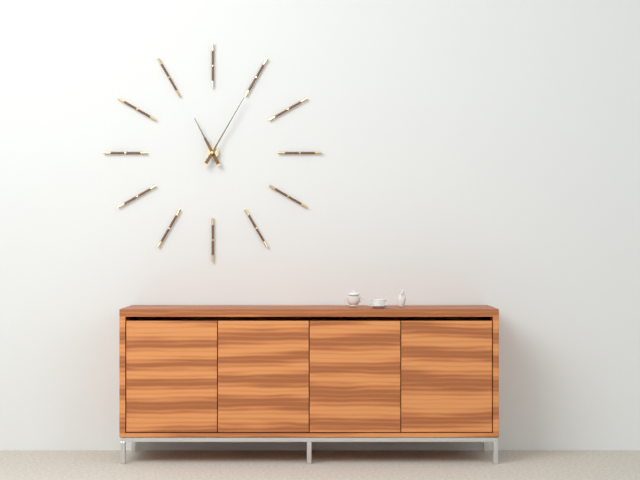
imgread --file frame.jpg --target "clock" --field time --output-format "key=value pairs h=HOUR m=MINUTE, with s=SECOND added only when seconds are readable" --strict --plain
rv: h=11 m=5
